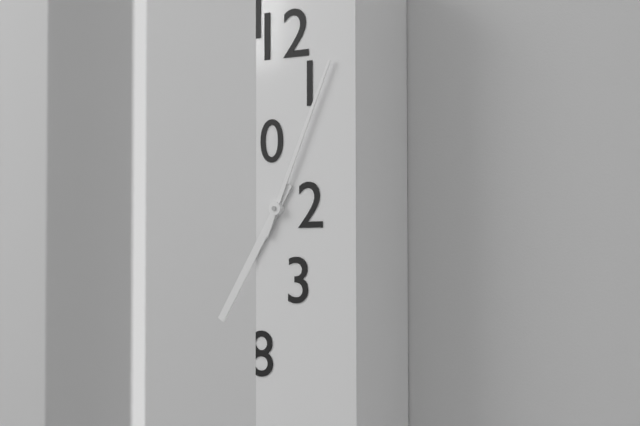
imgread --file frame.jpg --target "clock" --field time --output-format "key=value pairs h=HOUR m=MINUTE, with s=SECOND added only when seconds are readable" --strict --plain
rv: h=7 m=4
